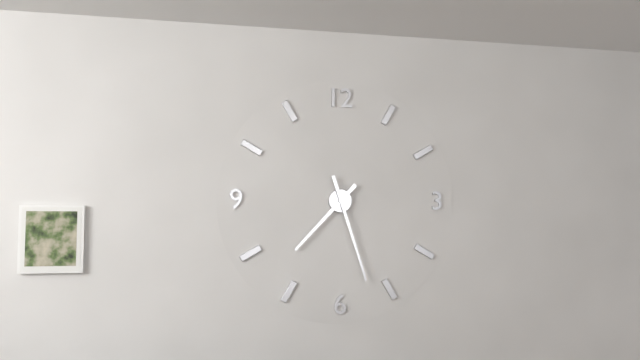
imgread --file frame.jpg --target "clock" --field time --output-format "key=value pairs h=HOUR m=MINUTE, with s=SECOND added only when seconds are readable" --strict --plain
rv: h=7 m=27
